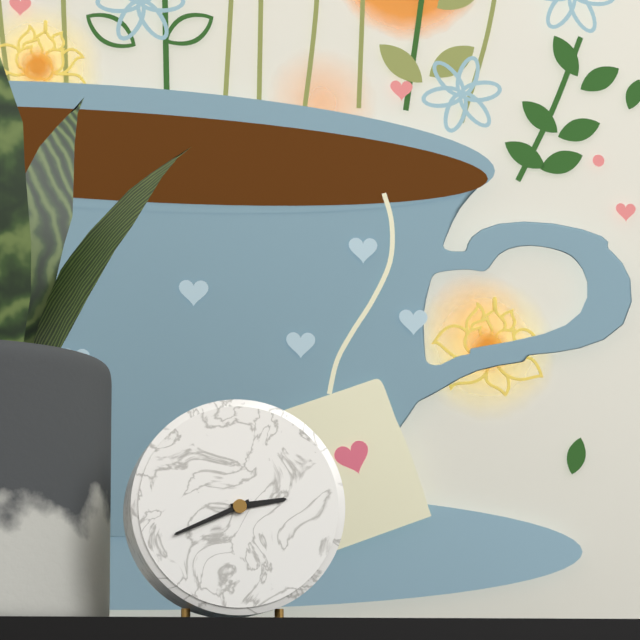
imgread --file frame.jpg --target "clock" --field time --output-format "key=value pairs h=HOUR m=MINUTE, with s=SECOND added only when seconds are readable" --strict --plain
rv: h=2 m=41
